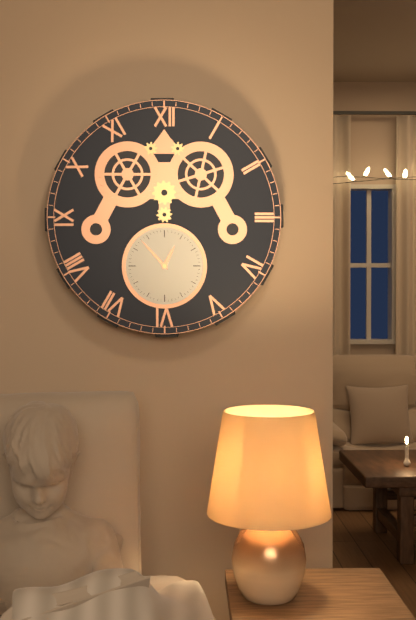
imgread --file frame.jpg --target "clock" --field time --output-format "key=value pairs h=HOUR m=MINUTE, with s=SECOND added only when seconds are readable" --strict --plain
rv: h=12 m=53
